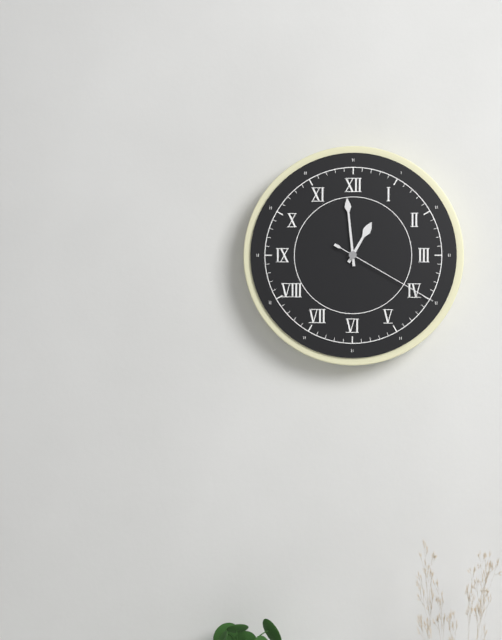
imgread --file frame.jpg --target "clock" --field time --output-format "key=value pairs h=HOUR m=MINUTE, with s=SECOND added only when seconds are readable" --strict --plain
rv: h=12 m=59 s=20
